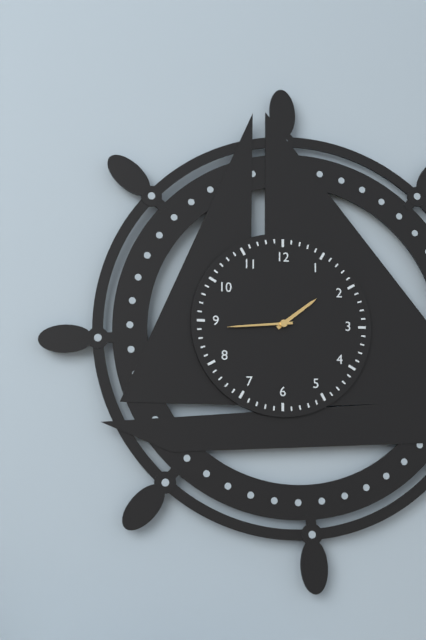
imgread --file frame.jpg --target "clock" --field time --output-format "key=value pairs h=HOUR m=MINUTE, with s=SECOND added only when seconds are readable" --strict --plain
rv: h=1 m=44
